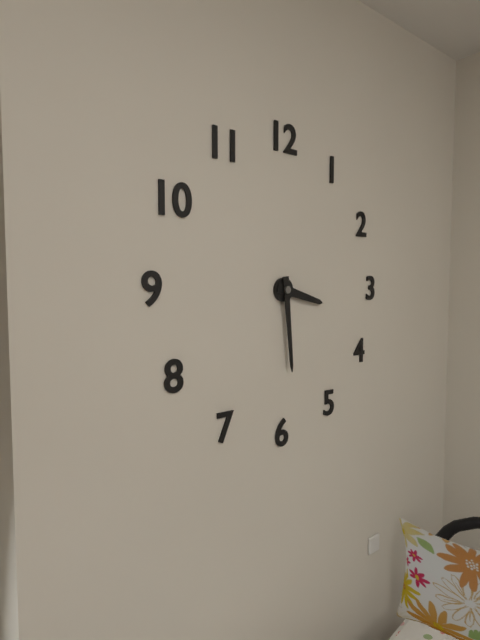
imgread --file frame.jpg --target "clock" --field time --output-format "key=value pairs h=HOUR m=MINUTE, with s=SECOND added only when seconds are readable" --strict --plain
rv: h=3 m=29
